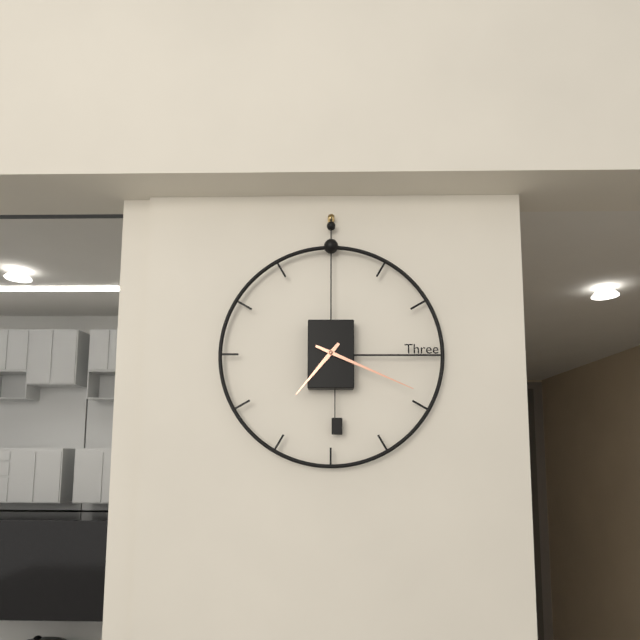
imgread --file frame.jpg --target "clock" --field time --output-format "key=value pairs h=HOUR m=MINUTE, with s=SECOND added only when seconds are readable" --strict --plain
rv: h=7 m=19
